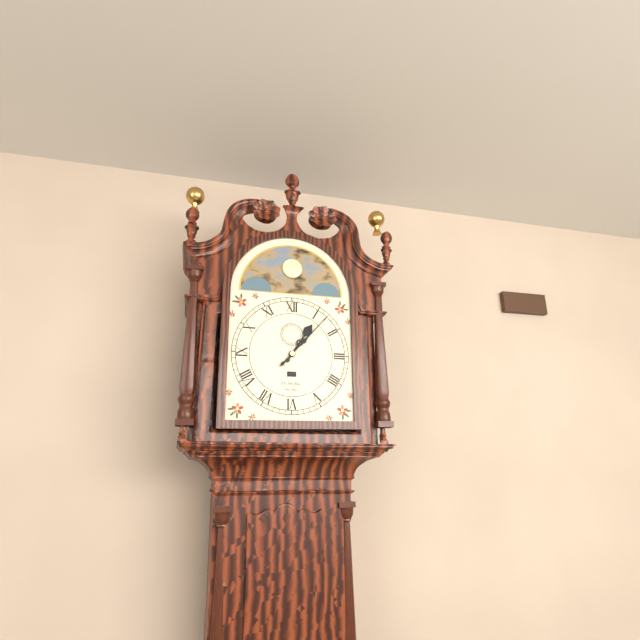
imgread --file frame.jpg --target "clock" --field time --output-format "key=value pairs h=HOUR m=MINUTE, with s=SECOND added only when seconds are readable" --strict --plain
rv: h=1 m=7
